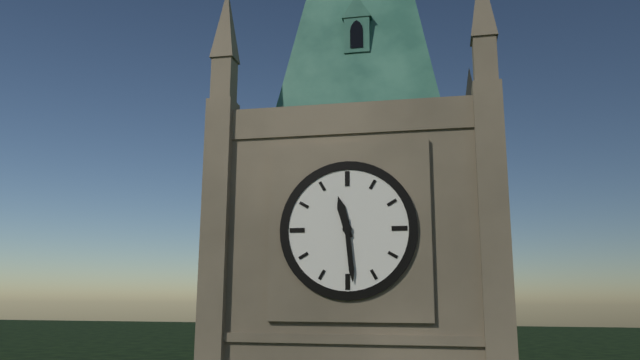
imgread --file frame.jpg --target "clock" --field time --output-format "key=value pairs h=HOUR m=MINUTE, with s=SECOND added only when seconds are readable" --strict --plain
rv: h=11 m=29
